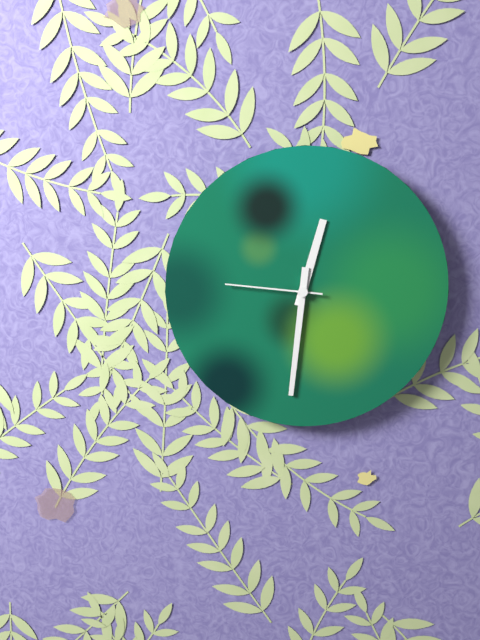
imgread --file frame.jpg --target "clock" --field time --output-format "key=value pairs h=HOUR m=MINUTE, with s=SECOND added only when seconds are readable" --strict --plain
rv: h=12 m=31 s=46
